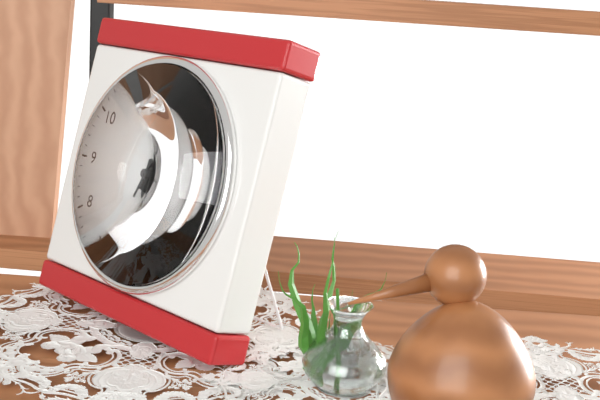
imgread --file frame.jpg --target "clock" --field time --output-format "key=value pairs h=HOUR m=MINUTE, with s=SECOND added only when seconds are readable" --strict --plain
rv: h=6 m=2 s=3
